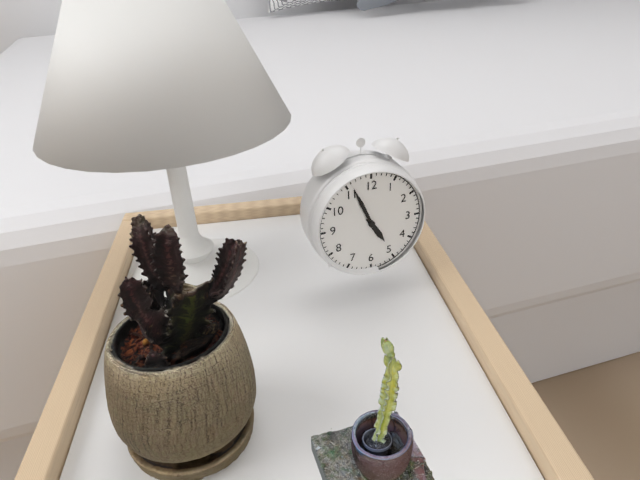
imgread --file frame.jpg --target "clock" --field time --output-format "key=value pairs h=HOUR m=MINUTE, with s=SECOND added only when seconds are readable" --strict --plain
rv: h=4 m=56
